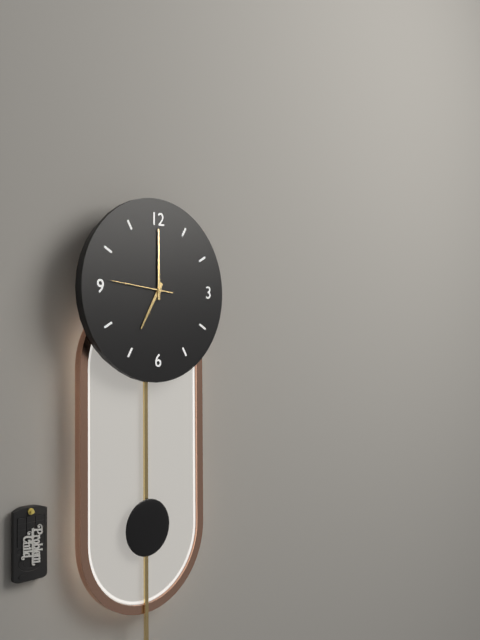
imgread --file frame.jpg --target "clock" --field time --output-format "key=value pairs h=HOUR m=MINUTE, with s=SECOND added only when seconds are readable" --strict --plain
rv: h=7 m=0 s=46
